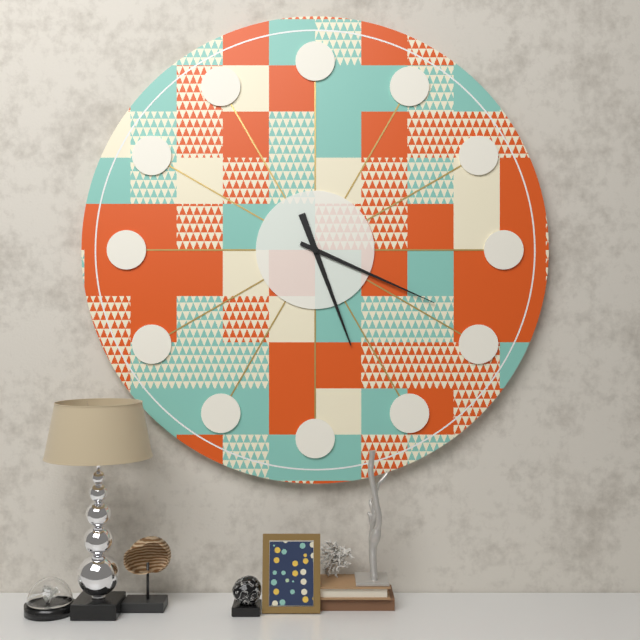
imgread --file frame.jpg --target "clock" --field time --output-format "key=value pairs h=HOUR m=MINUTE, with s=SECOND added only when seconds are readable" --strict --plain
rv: h=5 m=19
